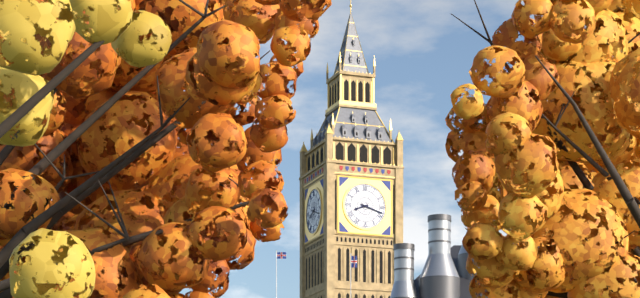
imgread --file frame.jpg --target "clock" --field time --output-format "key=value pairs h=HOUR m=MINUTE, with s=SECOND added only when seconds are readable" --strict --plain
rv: h=8 m=18
